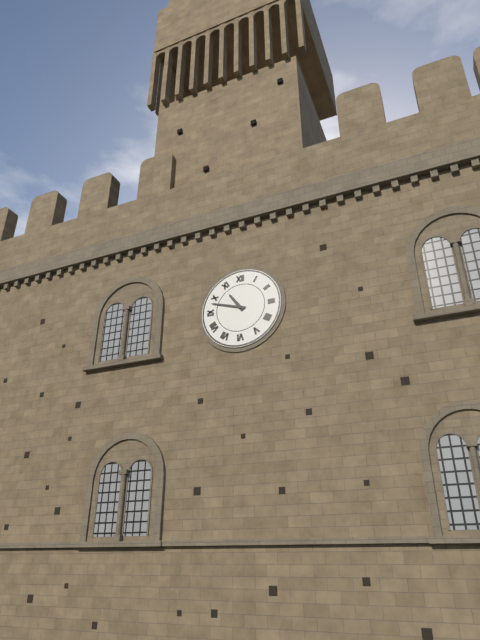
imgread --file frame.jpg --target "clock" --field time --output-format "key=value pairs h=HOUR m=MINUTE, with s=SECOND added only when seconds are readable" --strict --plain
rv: h=10 m=48
